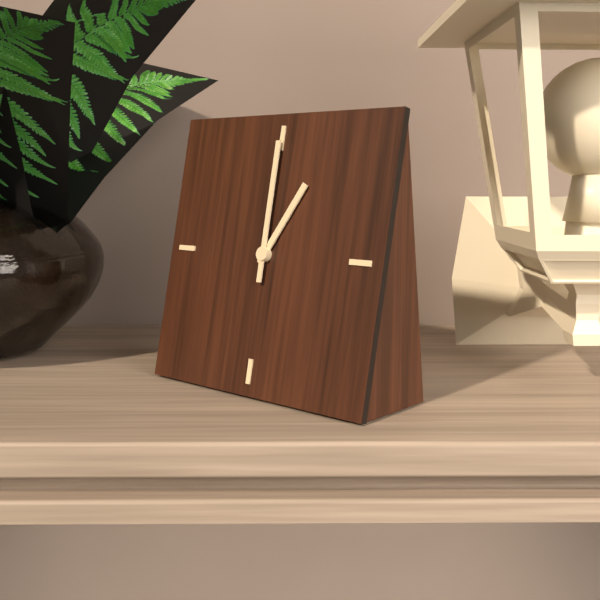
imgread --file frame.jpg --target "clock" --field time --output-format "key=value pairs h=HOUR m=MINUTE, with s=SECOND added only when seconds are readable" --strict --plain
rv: h=1 m=0
